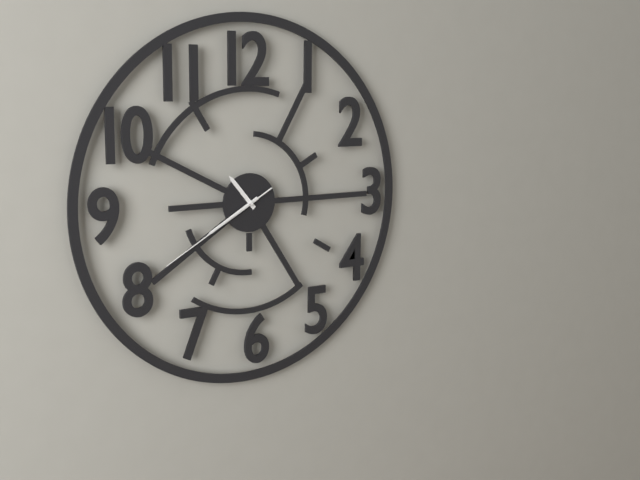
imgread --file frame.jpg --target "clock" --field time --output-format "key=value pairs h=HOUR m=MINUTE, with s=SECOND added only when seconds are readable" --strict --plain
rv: h=10 m=40 s=40
